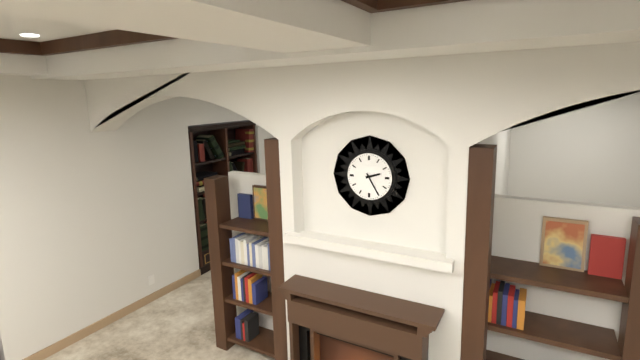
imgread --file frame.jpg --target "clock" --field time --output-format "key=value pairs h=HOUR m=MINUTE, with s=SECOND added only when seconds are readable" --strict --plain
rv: h=2 m=25
